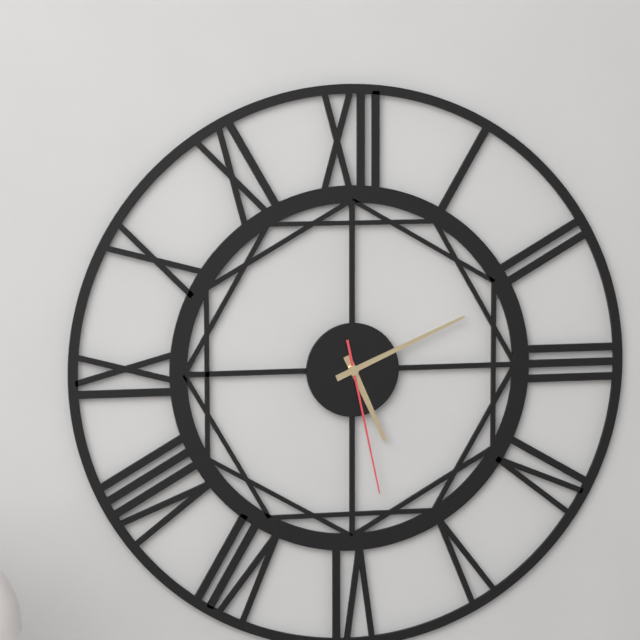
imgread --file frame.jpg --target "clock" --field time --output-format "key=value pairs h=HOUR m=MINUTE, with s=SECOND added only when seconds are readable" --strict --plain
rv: h=5 m=11 s=28
